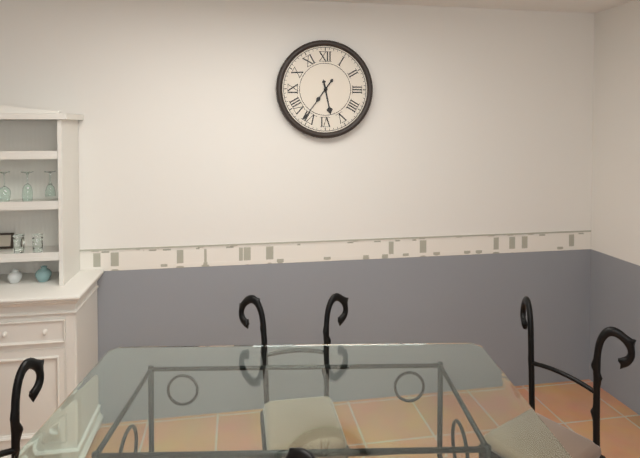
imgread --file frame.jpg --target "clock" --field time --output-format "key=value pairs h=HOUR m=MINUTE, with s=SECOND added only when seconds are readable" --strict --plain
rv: h=5 m=36
